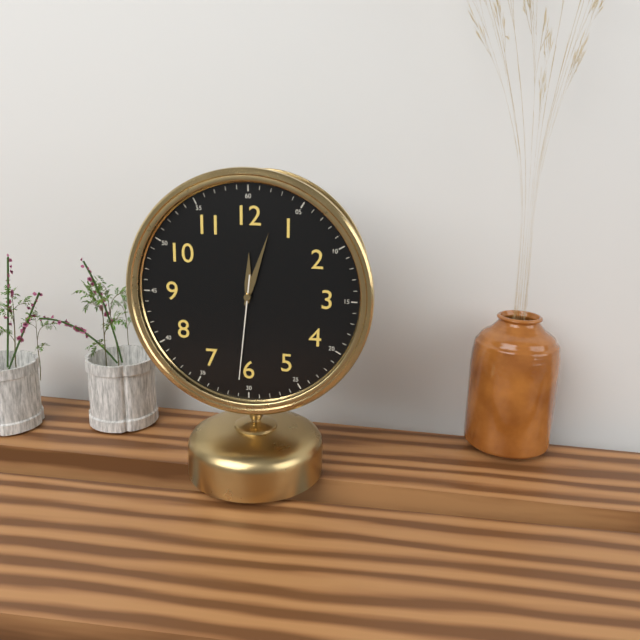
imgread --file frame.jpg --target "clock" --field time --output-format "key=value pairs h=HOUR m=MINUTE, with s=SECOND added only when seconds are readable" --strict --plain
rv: h=12 m=3 s=31
